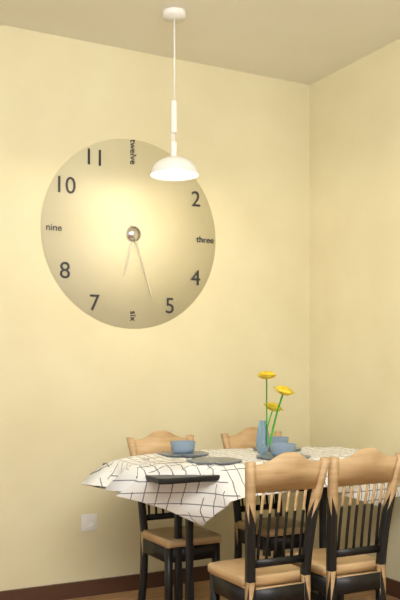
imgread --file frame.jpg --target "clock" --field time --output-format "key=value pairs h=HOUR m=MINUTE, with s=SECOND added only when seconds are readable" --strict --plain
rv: h=6 m=27
